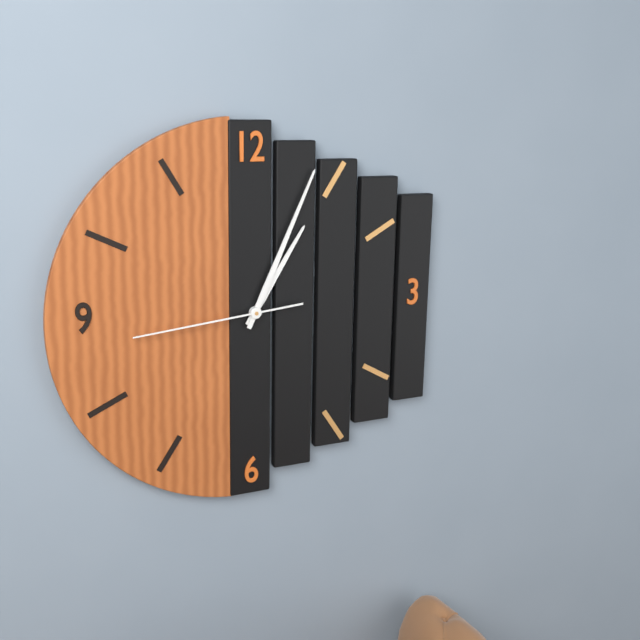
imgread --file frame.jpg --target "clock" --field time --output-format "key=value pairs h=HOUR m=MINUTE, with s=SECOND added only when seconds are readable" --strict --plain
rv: h=1 m=4 s=44
